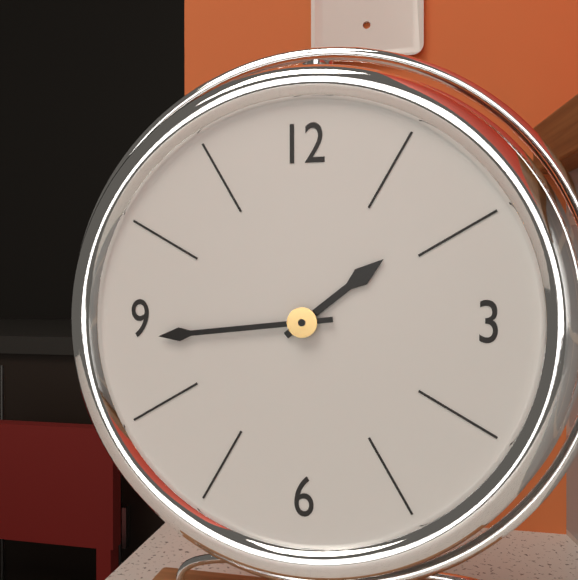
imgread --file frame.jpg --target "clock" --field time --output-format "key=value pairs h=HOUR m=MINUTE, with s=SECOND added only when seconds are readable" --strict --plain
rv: h=1 m=44
